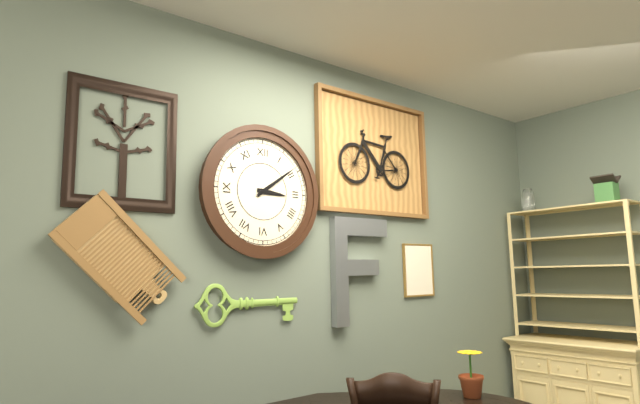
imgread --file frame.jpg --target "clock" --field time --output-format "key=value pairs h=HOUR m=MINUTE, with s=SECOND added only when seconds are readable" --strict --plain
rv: h=3 m=9
